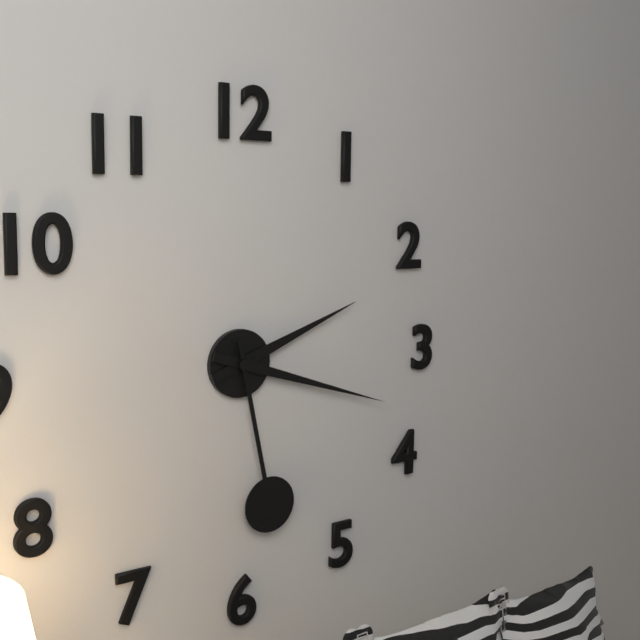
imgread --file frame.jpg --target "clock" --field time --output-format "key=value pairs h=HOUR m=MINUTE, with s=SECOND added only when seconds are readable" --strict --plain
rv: h=2 m=18 s=28
